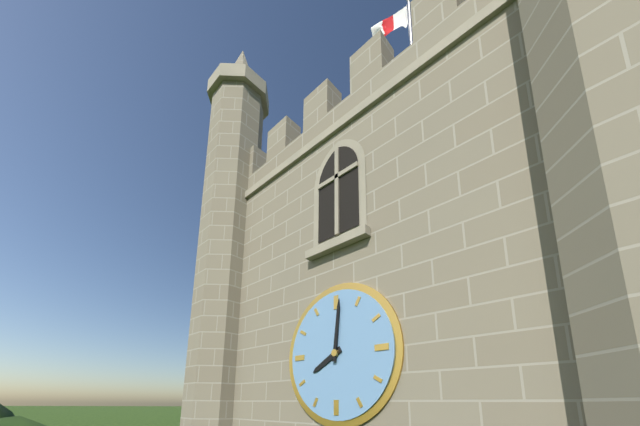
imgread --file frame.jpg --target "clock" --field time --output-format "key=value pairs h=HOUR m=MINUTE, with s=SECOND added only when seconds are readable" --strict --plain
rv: h=8 m=1
